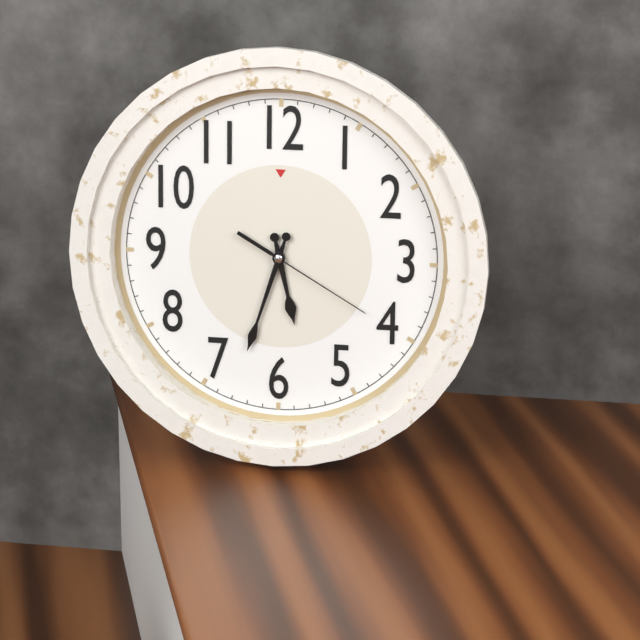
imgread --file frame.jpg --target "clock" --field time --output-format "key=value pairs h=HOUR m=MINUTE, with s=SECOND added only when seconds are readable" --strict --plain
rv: h=5 m=33 s=20
